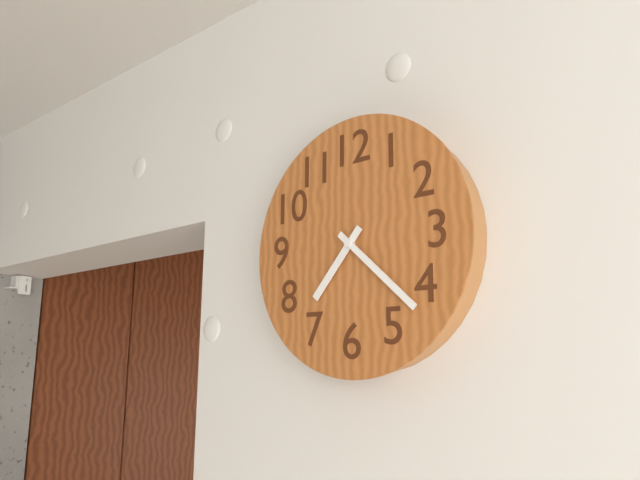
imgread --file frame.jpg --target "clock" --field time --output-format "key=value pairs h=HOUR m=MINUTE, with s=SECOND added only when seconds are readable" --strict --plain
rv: h=7 m=22
